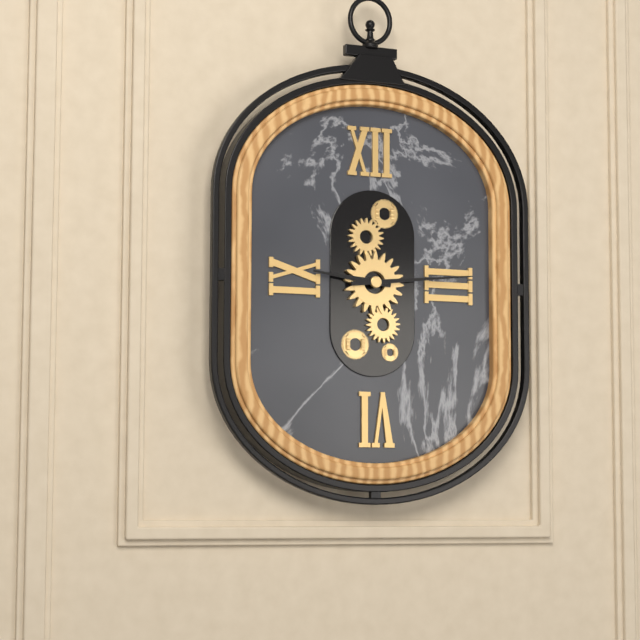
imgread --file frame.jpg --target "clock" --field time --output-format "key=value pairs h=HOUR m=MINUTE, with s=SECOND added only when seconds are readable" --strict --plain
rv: h=9 m=14
